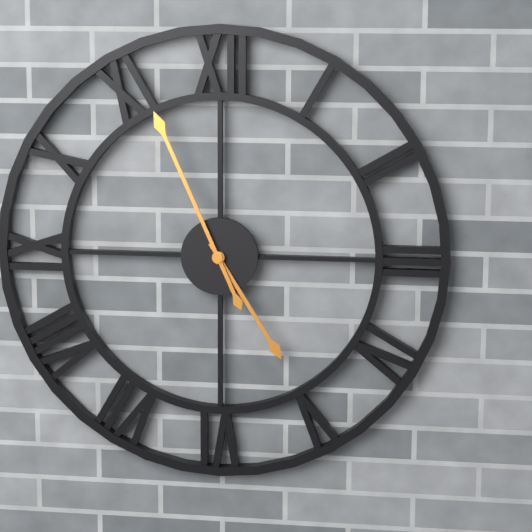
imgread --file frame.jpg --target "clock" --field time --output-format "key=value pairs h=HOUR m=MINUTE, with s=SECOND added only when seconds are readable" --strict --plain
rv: h=4 m=56
